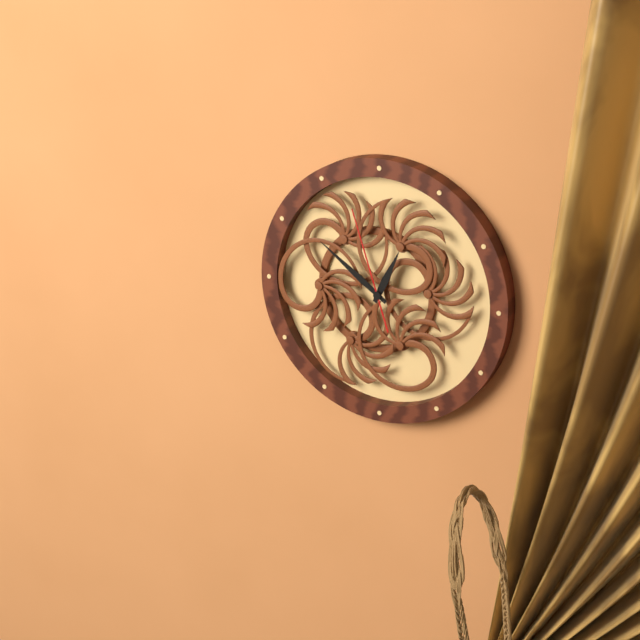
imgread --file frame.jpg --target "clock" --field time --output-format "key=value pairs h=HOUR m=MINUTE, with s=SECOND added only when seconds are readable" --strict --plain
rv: h=12 m=51 s=57
